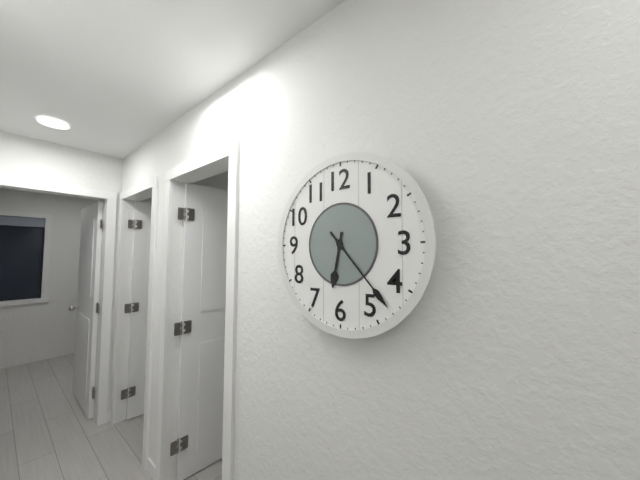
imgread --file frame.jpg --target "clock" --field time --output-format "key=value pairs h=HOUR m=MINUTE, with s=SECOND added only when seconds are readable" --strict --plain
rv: h=6 m=23
